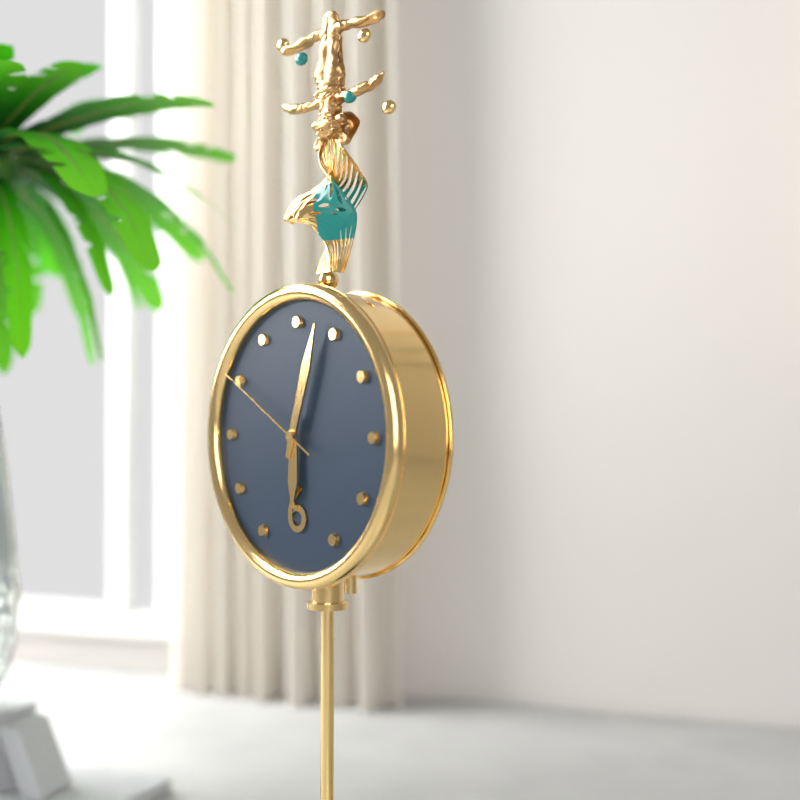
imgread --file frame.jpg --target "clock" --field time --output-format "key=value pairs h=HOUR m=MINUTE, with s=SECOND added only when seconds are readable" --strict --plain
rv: h=6 m=3 s=50
